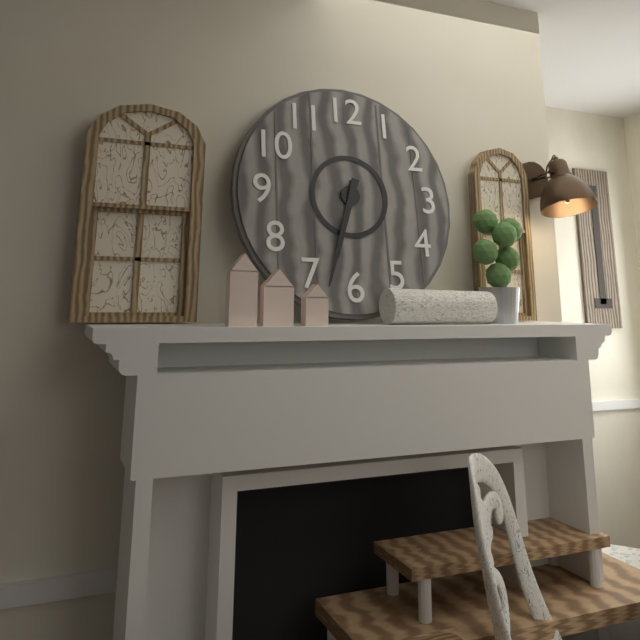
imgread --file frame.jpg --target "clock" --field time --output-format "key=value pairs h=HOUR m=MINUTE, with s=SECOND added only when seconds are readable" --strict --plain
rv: h=6 m=33
